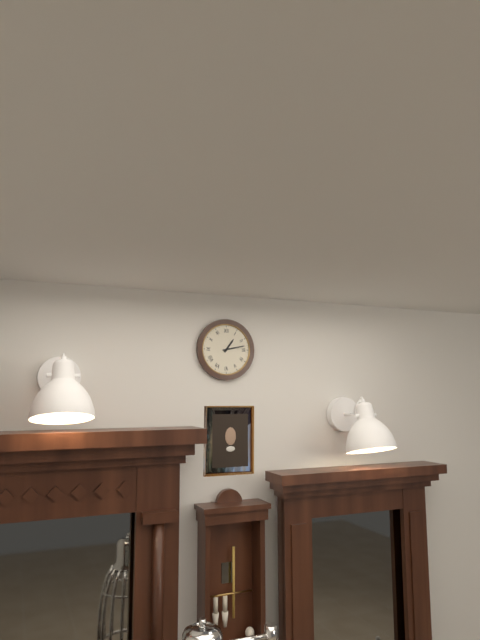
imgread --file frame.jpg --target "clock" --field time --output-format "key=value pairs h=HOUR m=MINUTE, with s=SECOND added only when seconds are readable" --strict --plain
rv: h=1 m=13
